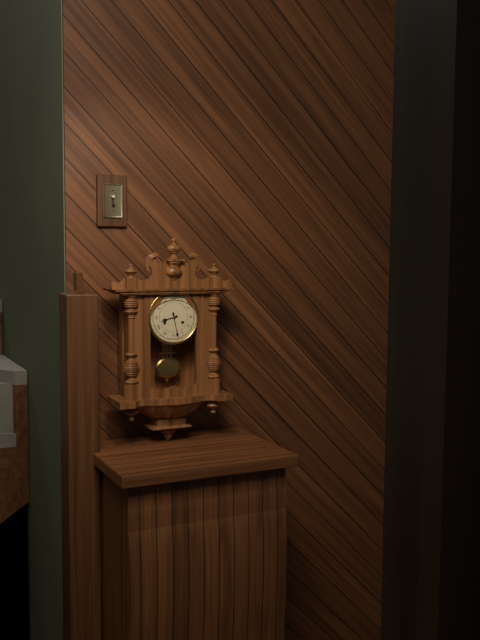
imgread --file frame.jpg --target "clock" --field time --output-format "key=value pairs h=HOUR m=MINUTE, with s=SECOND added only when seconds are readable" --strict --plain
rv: h=8 m=28
